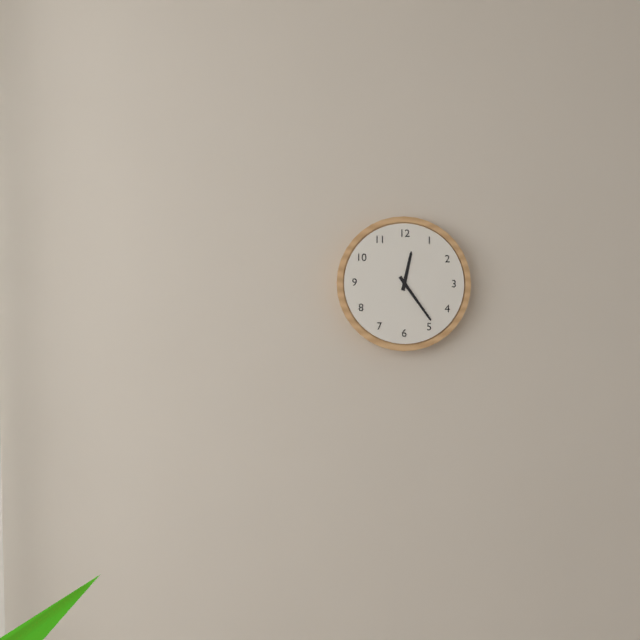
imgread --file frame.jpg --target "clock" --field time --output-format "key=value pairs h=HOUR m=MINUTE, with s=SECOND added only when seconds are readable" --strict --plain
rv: h=12 m=24
